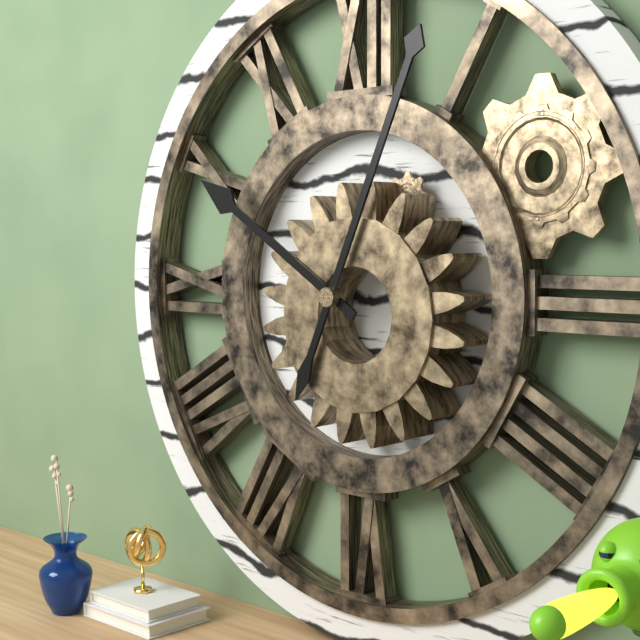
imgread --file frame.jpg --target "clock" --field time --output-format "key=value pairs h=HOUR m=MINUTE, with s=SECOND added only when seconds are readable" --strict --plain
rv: h=10 m=4
